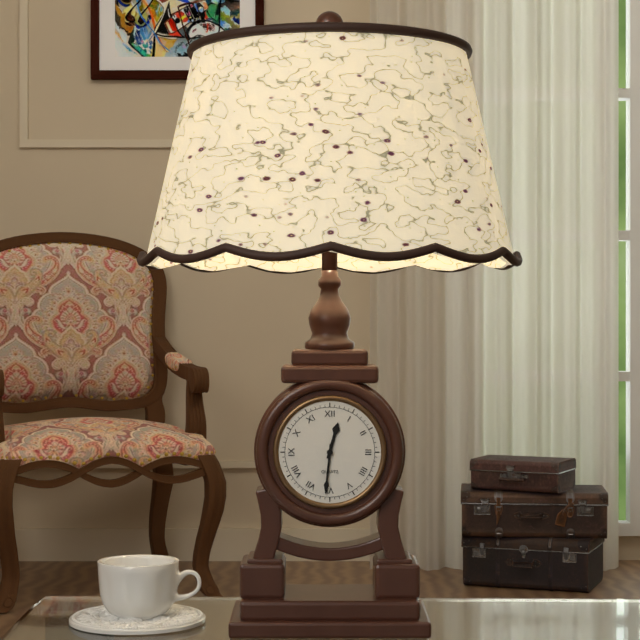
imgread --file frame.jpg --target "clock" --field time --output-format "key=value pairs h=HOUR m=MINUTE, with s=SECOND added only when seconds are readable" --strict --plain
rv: h=12 m=31
